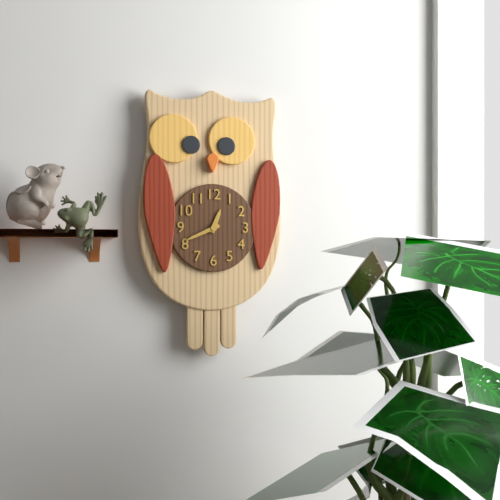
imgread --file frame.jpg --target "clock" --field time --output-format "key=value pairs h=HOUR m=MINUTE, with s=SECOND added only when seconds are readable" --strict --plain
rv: h=12 m=41
